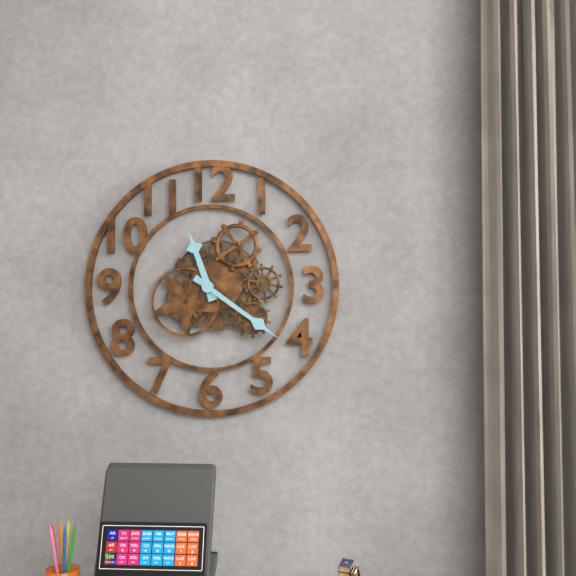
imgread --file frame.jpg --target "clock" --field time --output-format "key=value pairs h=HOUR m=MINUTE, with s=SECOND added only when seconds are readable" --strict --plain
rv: h=11 m=21
